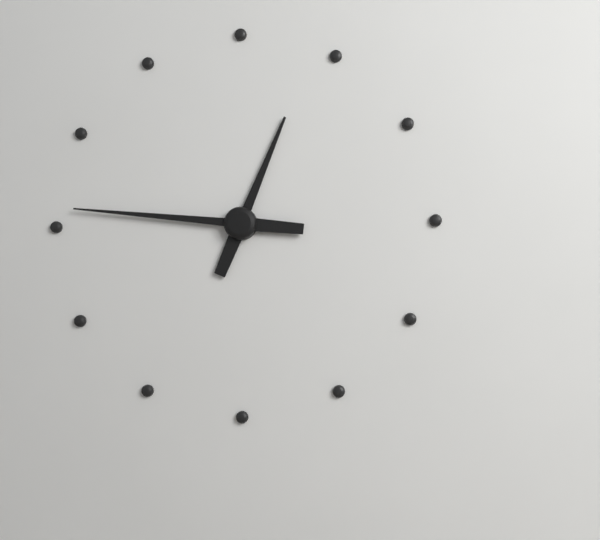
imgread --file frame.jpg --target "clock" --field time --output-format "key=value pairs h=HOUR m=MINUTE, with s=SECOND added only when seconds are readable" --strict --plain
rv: h=12 m=46
